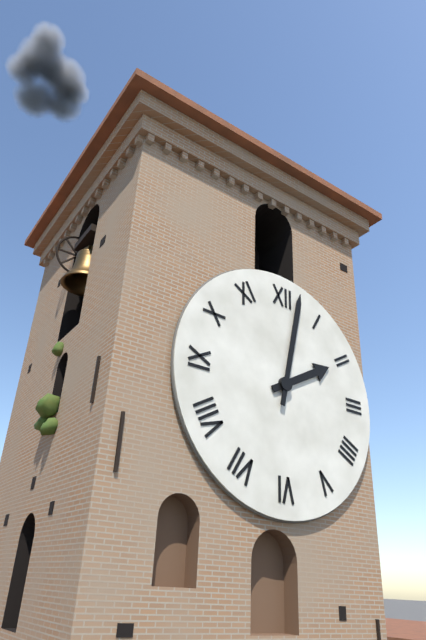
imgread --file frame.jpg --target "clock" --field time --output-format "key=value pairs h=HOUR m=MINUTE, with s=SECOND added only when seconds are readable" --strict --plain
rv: h=2 m=2
